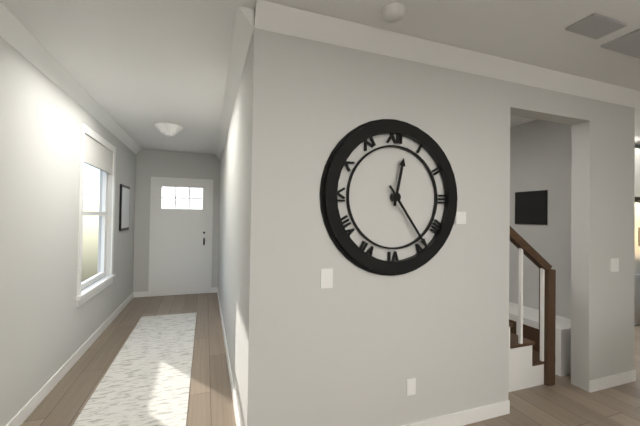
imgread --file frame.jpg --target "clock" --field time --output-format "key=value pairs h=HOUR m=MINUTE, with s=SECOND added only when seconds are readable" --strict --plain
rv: h=12 m=24
